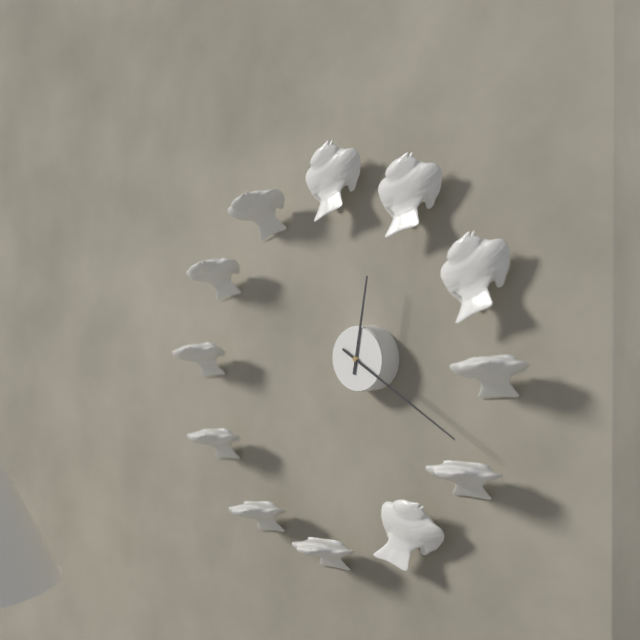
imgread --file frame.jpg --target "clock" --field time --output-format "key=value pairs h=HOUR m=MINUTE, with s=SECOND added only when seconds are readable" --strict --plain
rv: h=12 m=20
